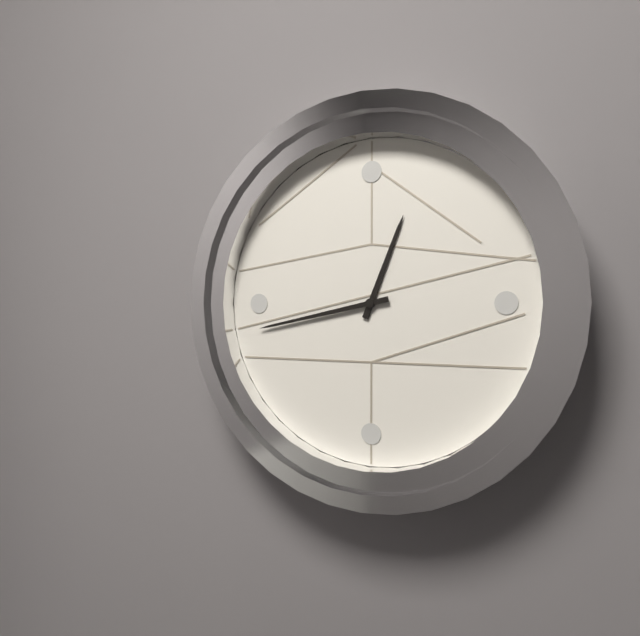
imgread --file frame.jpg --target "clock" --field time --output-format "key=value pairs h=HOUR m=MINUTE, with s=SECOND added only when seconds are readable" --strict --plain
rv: h=12 m=43
